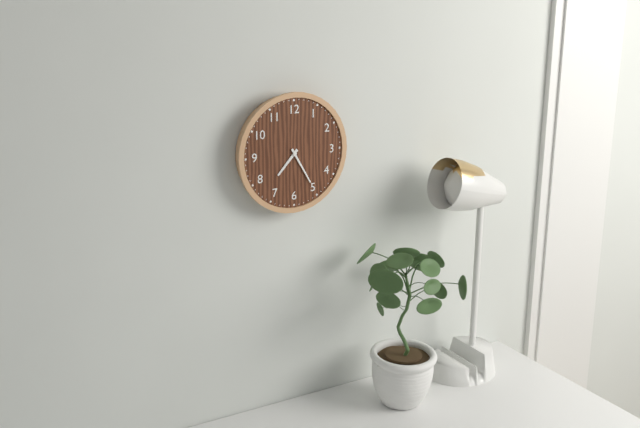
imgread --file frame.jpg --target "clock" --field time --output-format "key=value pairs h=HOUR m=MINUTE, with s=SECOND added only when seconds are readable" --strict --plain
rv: h=7 m=25
